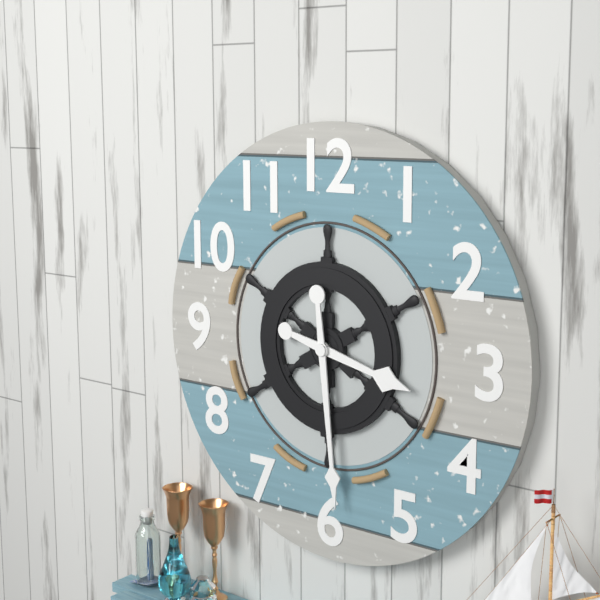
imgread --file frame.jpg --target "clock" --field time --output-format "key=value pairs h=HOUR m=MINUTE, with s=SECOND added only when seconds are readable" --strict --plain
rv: h=3 m=29
